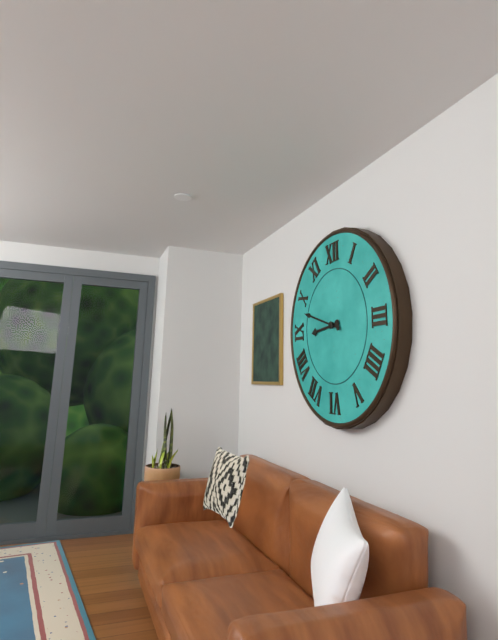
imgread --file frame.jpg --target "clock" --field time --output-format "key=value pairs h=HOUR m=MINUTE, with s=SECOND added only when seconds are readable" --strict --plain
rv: h=8 m=48
